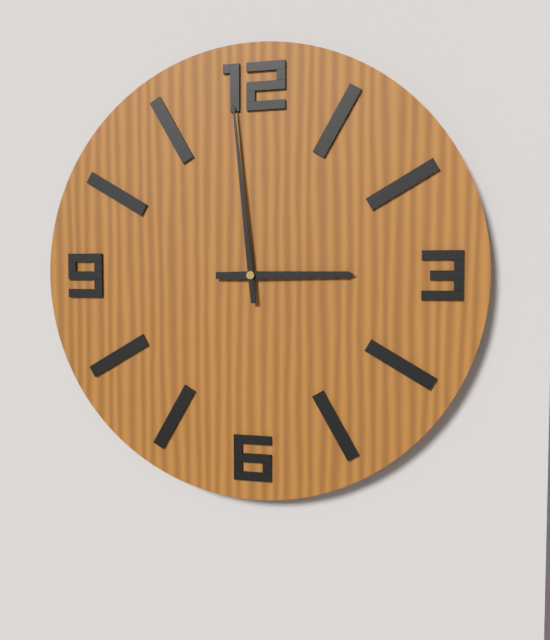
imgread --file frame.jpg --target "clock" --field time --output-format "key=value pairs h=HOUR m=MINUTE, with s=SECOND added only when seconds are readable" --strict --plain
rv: h=2 m=59
